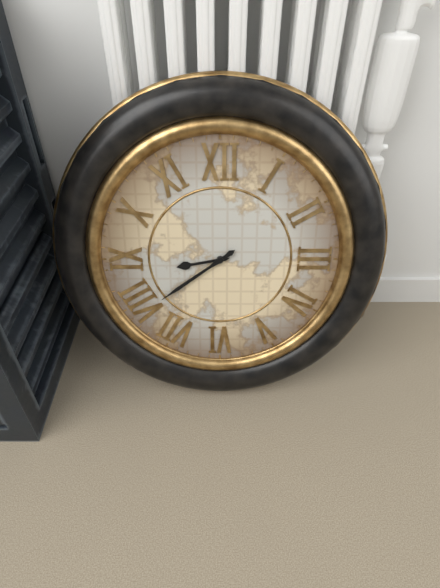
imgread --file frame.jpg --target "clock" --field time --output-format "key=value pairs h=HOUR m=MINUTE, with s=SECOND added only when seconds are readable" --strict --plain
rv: h=8 m=39
